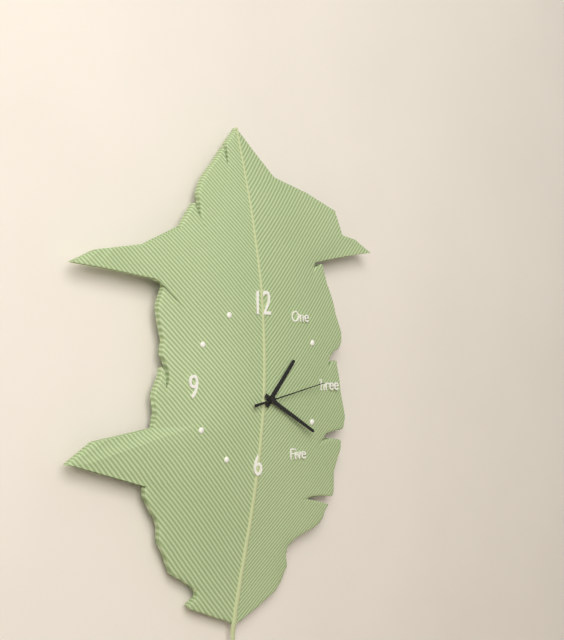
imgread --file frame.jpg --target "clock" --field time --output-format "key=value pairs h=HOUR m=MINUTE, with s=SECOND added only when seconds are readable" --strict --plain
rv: h=1 m=20 s=13
